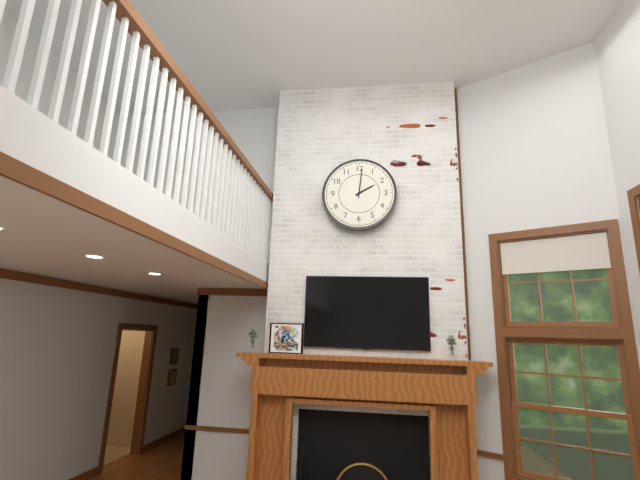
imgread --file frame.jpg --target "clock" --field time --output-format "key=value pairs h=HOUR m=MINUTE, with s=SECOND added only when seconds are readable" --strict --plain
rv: h=2 m=1
